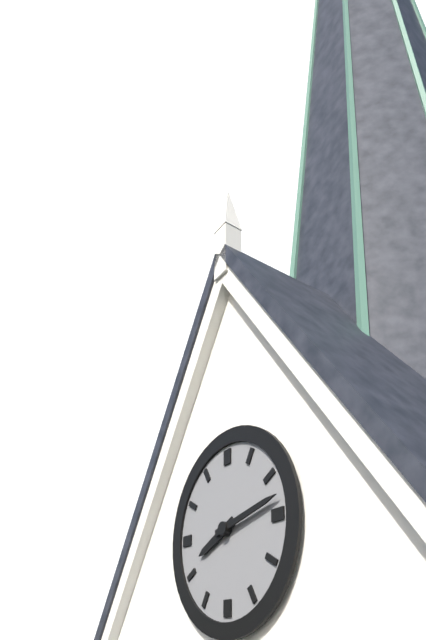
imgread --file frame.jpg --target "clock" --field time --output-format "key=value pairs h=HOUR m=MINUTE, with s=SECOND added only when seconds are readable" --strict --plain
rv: h=8 m=13
